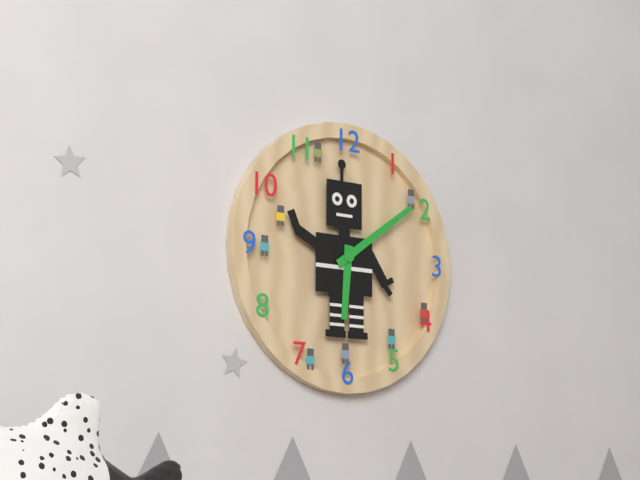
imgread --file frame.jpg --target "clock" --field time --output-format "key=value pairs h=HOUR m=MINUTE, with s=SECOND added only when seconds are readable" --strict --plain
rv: h=6 m=9
